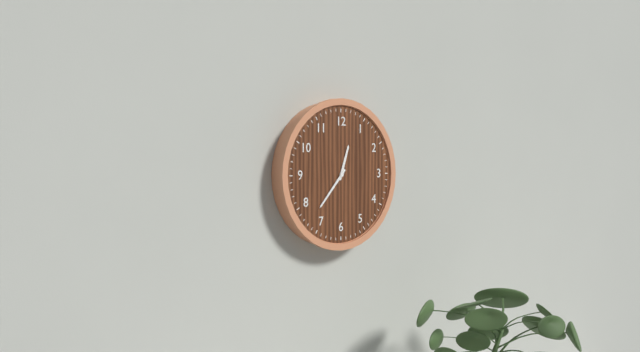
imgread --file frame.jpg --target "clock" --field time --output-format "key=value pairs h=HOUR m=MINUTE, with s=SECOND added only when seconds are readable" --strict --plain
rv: h=12 m=37
